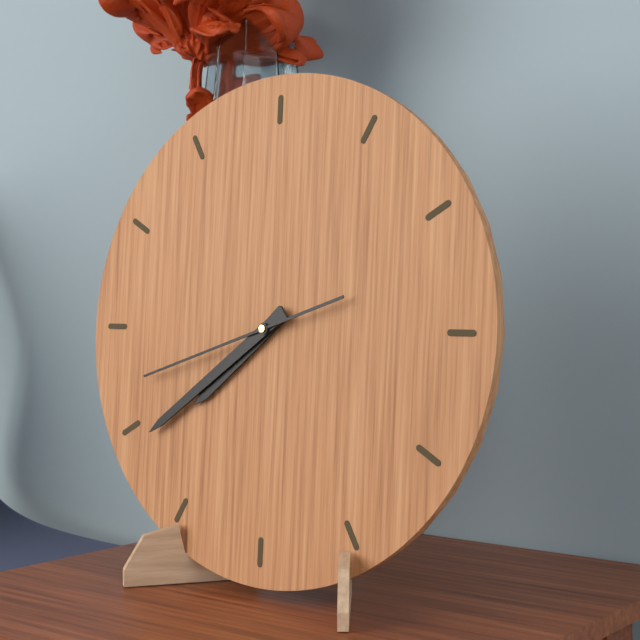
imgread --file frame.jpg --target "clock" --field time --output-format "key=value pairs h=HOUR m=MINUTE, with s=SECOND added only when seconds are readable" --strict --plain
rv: h=7 m=39 s=42
